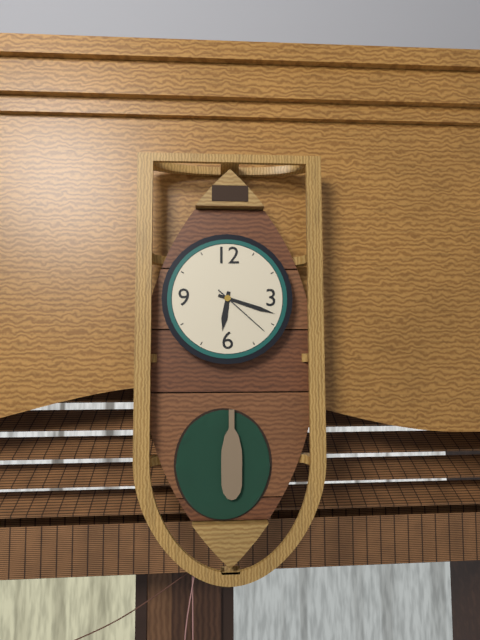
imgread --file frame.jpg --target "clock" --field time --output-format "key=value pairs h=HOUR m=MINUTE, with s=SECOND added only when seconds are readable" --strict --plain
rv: h=6 m=18 s=22
